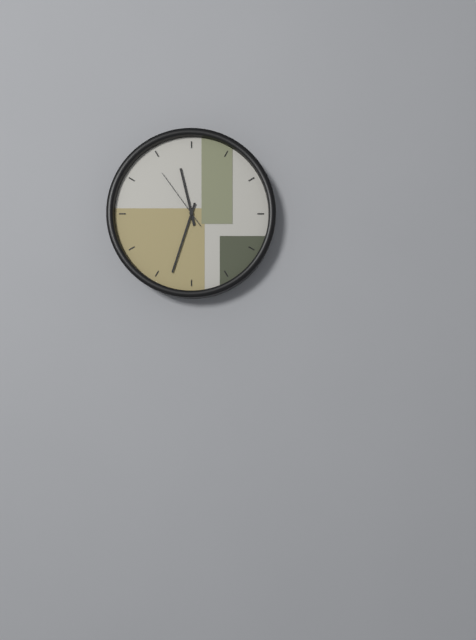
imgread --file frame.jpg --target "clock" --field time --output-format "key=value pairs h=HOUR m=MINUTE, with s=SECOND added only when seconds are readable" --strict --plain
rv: h=11 m=33 s=54
